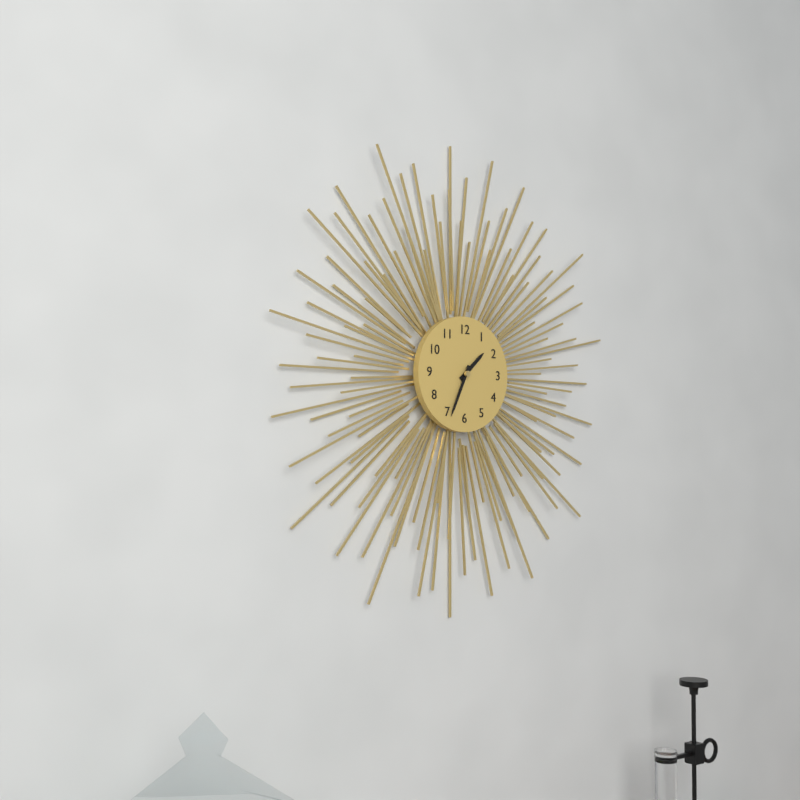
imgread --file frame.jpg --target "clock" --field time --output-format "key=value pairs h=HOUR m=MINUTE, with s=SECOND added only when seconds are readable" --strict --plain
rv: h=1 m=34
